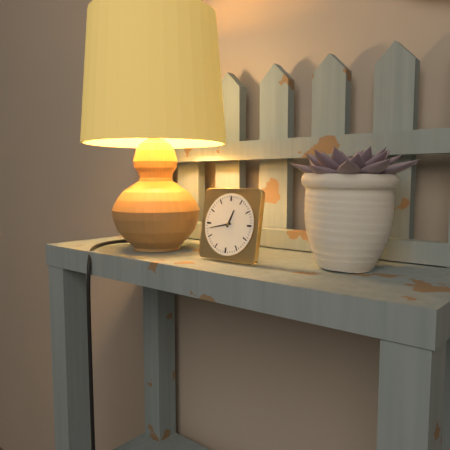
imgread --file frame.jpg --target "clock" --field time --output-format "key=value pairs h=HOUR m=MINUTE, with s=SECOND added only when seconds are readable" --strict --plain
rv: h=12 m=43
